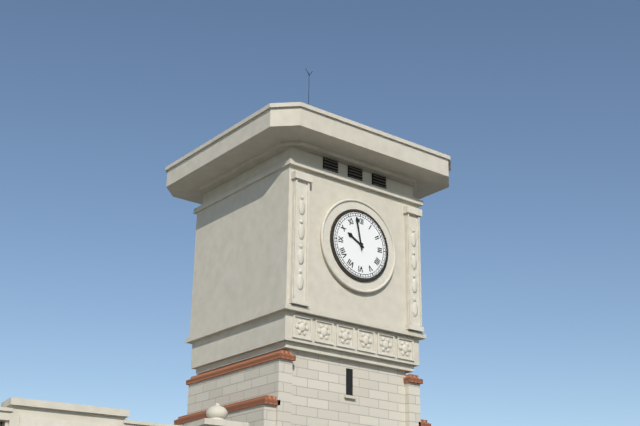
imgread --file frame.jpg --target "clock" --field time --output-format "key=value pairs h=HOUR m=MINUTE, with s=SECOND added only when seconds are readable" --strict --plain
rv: h=9 m=58
